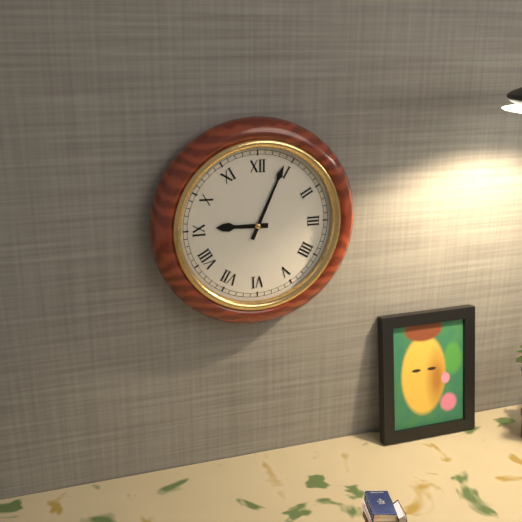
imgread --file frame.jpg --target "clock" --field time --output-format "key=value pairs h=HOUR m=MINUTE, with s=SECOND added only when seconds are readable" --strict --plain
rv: h=9 m=4
